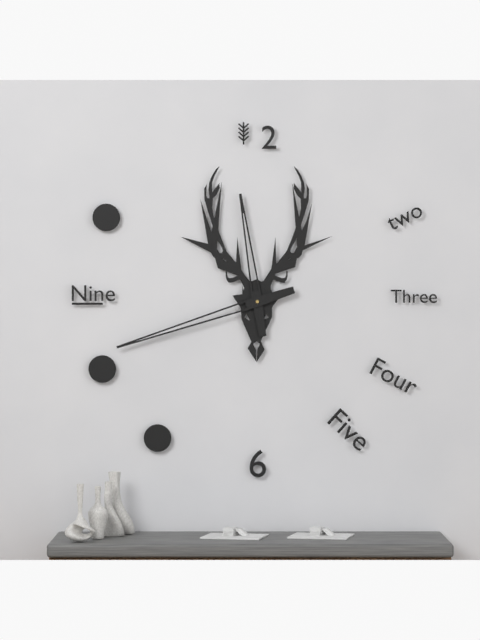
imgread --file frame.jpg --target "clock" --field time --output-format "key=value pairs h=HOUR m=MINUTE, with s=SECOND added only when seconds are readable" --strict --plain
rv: h=11 m=42
